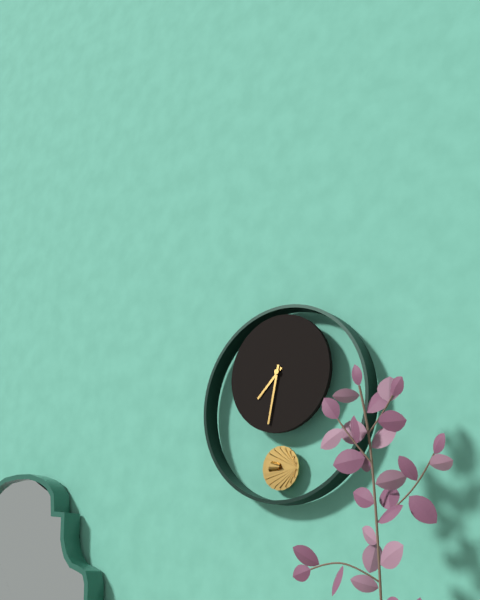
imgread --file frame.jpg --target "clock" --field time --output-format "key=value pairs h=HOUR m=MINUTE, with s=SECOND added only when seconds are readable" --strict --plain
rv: h=7 m=32
